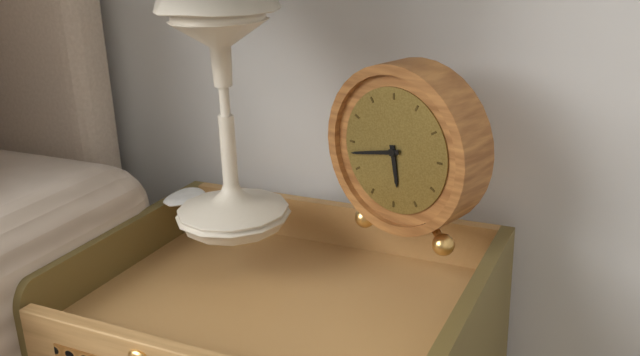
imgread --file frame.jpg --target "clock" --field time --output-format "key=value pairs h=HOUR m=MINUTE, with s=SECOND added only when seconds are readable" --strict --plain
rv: h=5 m=43
